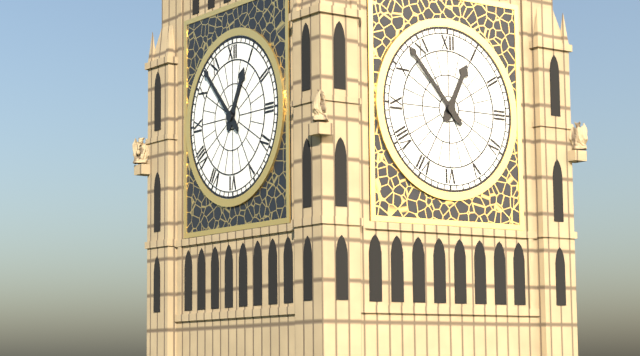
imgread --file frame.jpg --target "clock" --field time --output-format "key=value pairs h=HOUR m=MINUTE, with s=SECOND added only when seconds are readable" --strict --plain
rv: h=12 m=53
